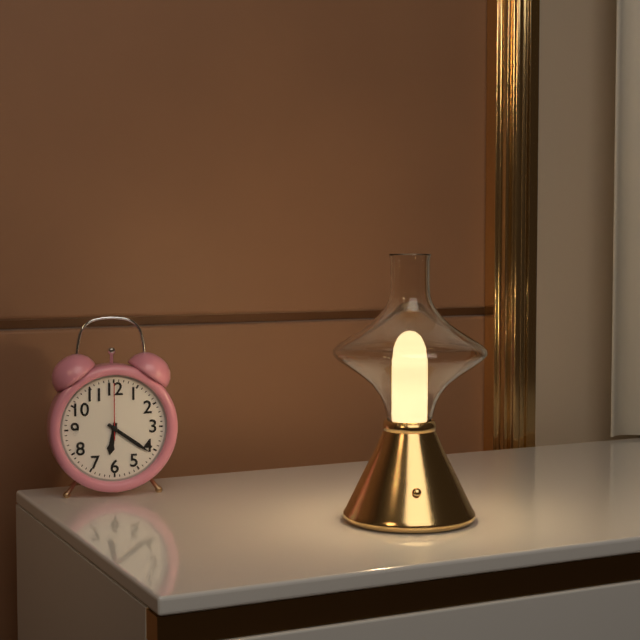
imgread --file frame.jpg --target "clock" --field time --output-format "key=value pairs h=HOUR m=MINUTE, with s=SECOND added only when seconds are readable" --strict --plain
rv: h=6 m=21 s=0
